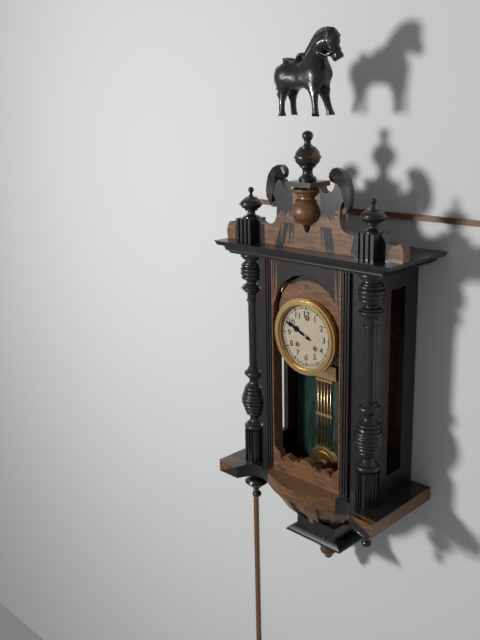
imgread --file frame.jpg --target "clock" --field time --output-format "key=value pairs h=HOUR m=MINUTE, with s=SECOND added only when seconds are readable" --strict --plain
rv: h=9 m=49
